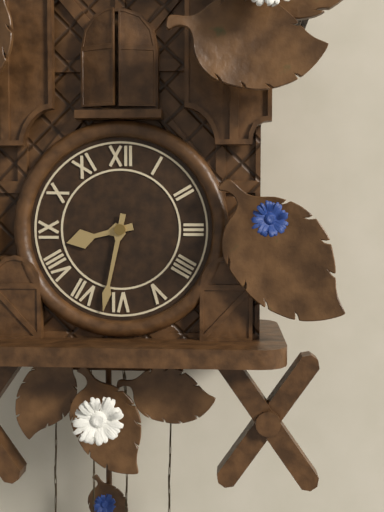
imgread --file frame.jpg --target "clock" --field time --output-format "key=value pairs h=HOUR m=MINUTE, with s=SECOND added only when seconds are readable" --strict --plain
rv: h=8 m=32
